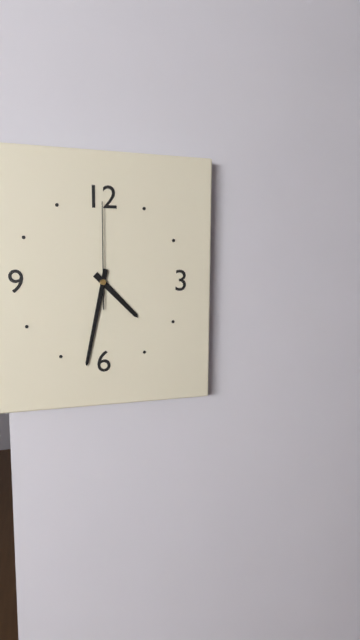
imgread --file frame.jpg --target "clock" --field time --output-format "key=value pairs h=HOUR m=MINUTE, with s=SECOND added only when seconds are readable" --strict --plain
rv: h=4 m=32 s=0
